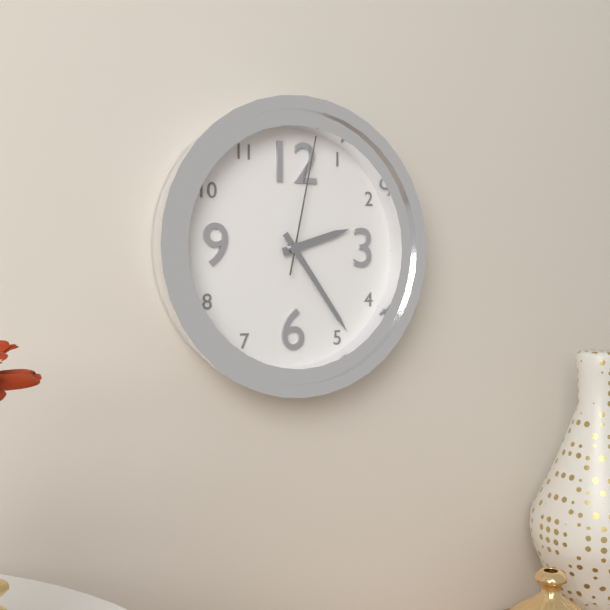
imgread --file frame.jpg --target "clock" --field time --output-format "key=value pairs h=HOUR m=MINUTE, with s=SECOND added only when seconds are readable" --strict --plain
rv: h=2 m=24 s=2
